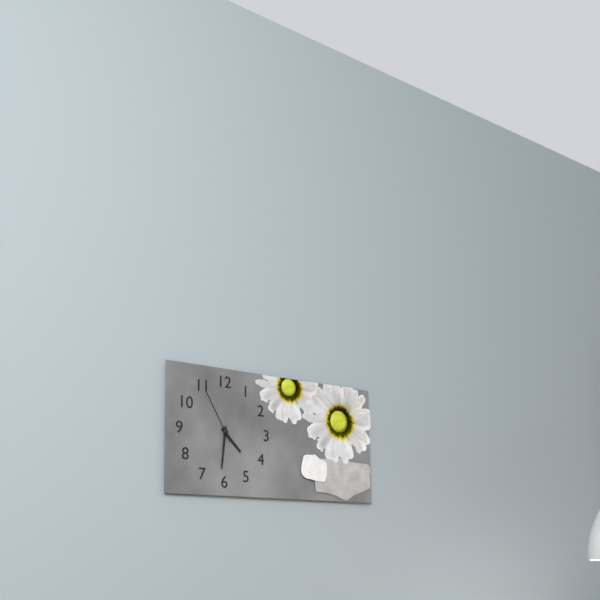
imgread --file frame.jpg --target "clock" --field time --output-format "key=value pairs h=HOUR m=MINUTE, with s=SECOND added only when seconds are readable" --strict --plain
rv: h=4 m=31 s=55
